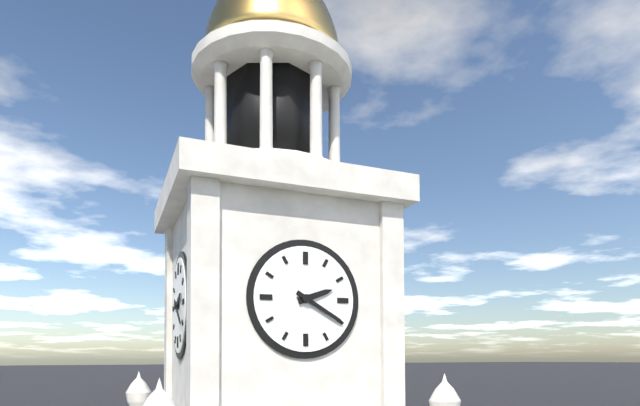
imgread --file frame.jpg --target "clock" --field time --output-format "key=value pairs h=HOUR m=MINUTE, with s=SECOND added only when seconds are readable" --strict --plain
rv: h=2 m=20
